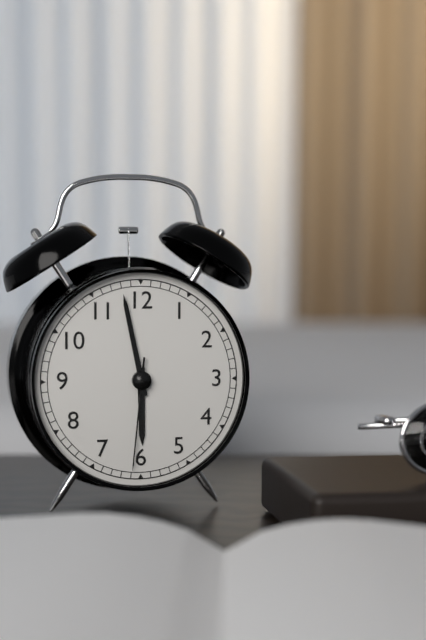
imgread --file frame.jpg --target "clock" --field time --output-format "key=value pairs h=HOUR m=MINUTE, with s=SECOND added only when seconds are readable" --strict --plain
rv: h=5 m=58 s=31
